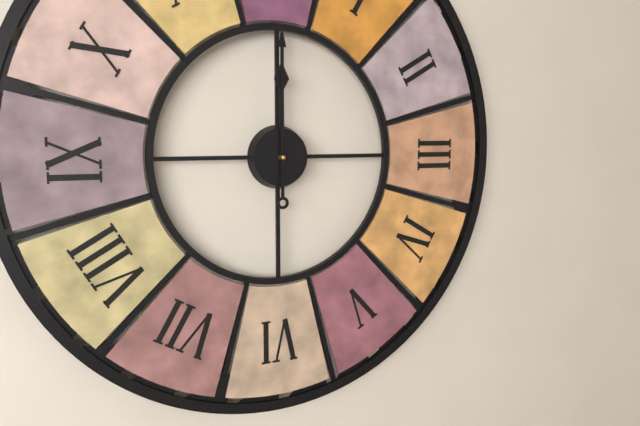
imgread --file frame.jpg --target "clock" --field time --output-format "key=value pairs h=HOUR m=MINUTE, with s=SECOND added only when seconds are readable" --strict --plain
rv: h=12 m=0
